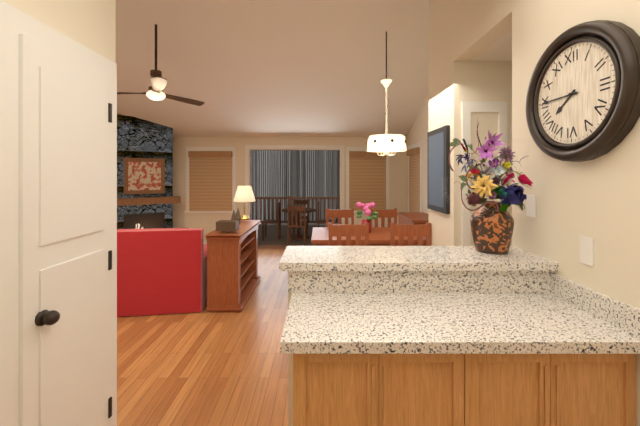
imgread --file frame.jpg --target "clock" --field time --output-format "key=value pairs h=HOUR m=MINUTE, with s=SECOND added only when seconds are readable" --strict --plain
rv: h=7 m=45
